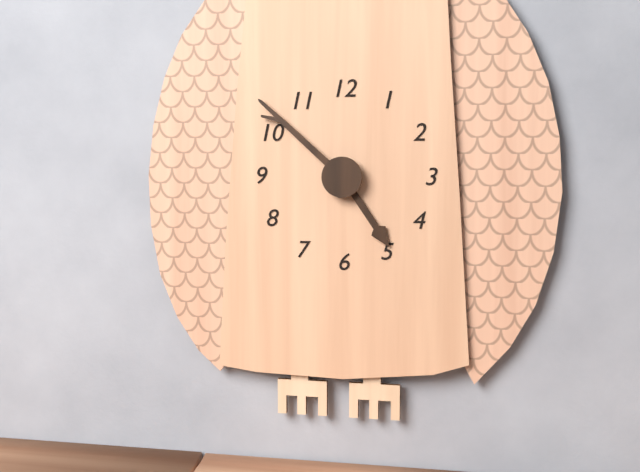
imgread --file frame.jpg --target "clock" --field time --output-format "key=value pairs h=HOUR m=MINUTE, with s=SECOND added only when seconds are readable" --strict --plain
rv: h=4 m=52
